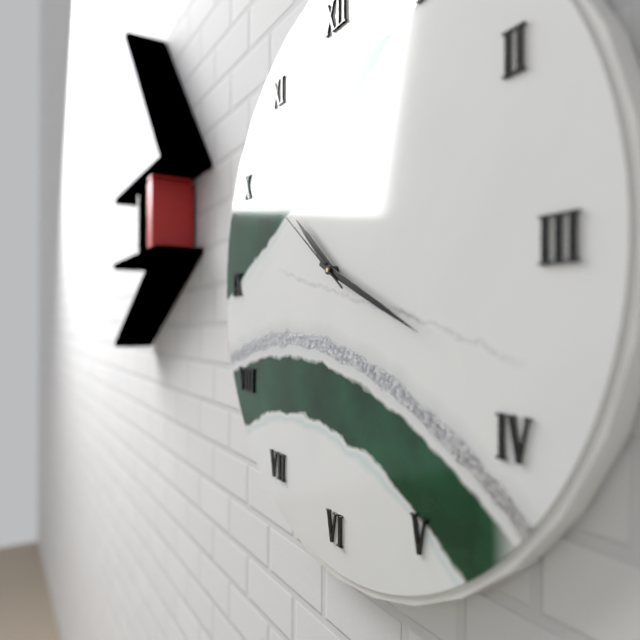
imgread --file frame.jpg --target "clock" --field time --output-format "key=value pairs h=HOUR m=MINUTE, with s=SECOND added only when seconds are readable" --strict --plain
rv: h=10 m=19 s=51
